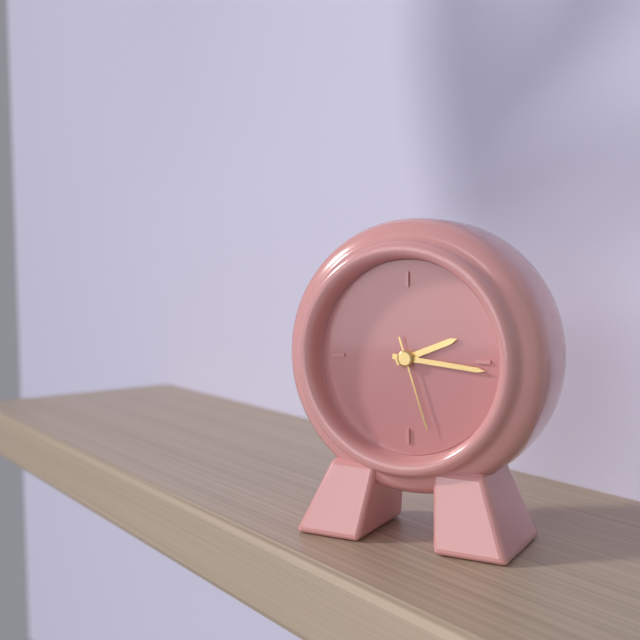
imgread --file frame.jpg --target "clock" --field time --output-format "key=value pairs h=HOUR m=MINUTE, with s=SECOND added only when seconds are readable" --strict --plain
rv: h=2 m=16 s=27
